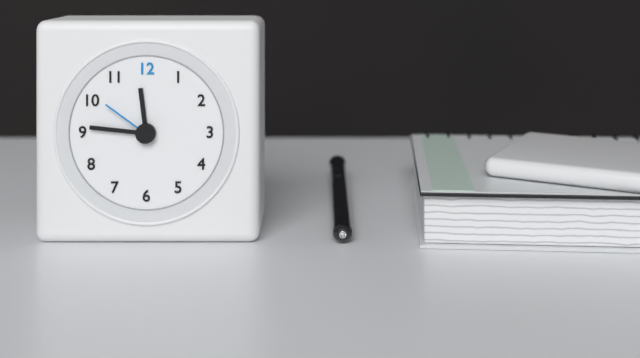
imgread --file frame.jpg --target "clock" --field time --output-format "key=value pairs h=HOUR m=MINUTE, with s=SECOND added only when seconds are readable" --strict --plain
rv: h=11 m=46 s=51
